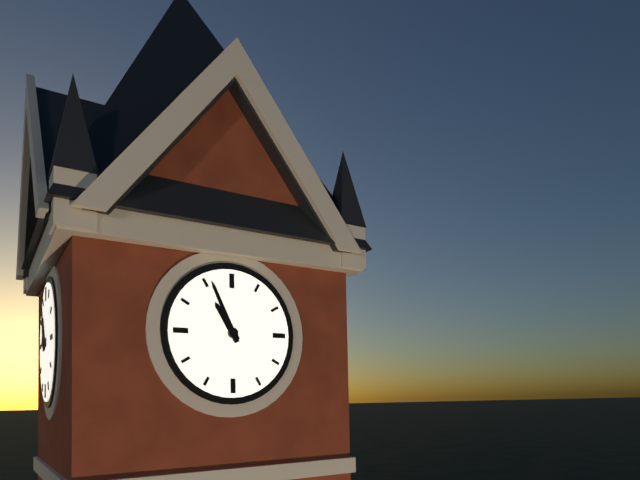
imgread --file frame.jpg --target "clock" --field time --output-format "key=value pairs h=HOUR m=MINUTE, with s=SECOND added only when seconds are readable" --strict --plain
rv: h=10 m=56
